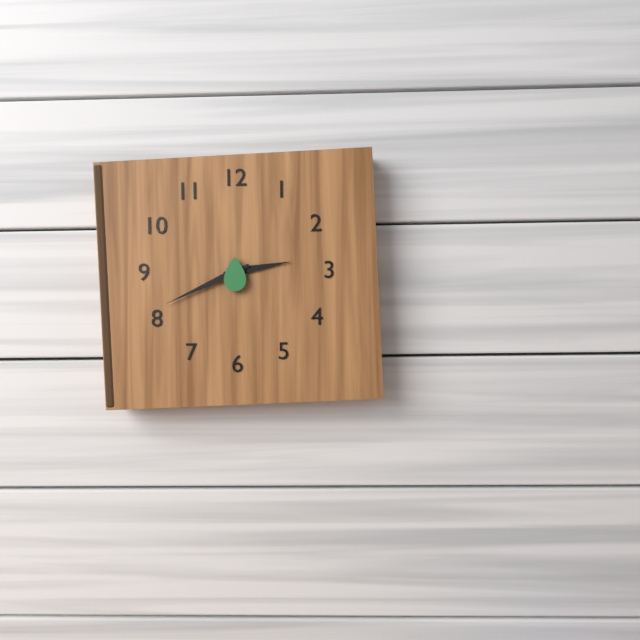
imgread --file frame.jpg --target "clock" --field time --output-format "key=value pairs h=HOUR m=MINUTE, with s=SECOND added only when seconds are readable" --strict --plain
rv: h=2 m=41
